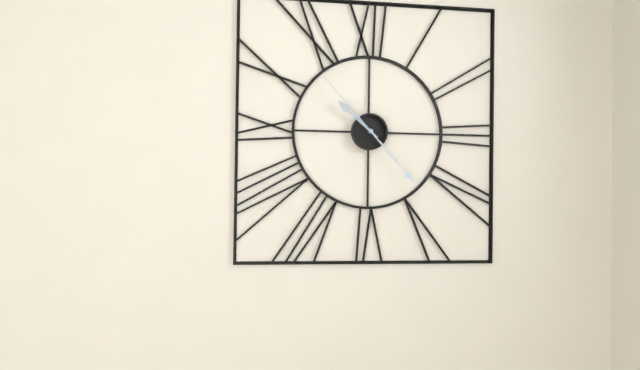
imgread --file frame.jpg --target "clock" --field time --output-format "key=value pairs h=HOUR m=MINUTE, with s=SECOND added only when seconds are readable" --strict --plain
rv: h=10 m=23 s=53
